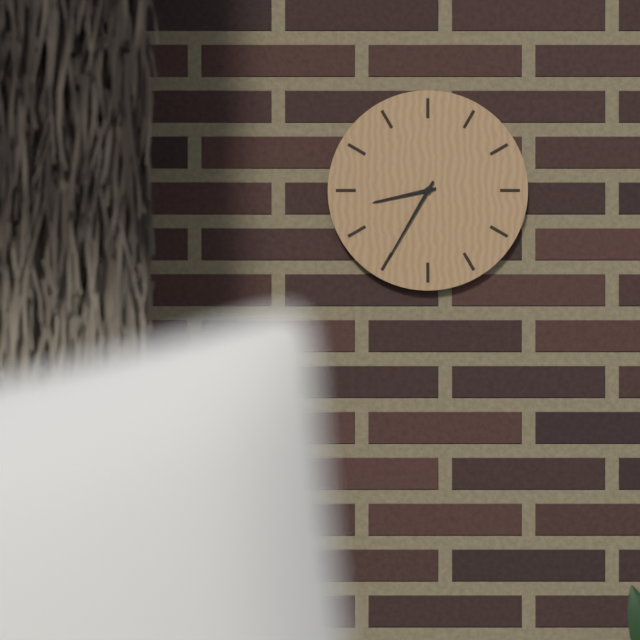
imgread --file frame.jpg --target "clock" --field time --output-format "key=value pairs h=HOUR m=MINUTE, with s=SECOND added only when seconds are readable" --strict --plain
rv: h=8 m=35
